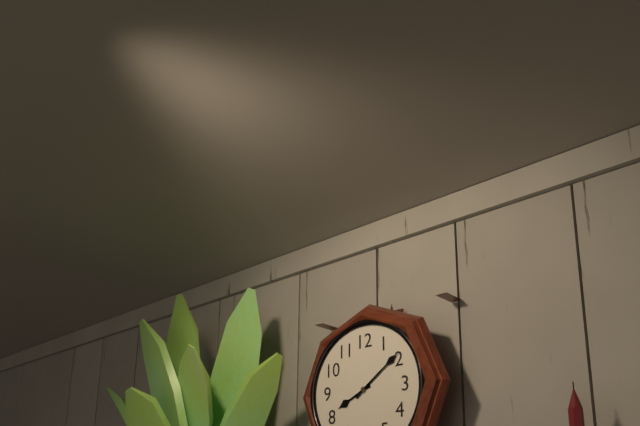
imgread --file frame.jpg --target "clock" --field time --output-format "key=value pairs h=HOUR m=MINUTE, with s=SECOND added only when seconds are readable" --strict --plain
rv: h=8 m=9
